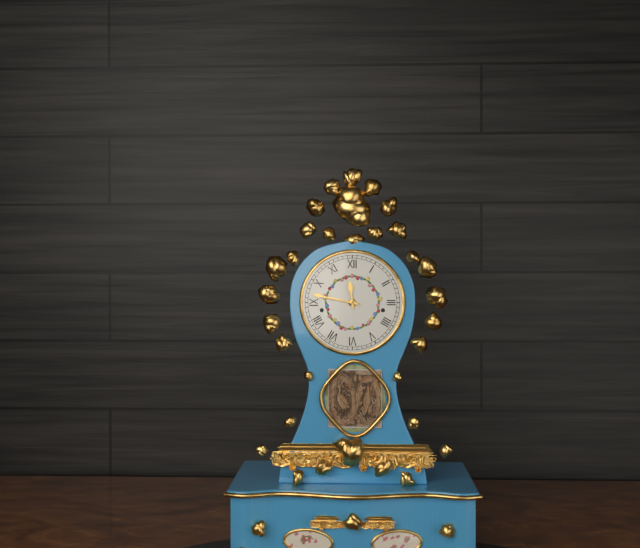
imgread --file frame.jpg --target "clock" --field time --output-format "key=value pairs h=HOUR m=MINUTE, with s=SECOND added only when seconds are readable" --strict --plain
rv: h=11 m=47
